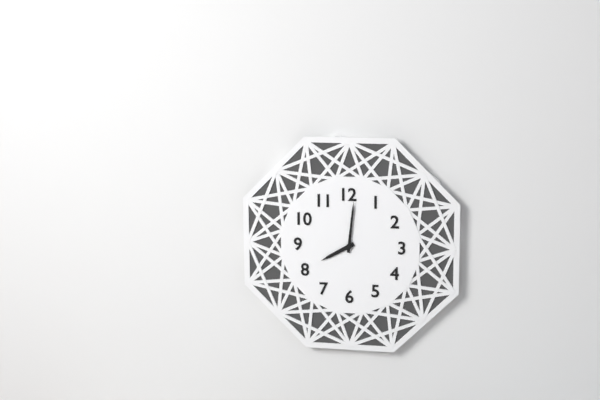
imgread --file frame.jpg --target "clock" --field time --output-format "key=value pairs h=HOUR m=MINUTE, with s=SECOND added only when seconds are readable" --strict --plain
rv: h=8 m=1
